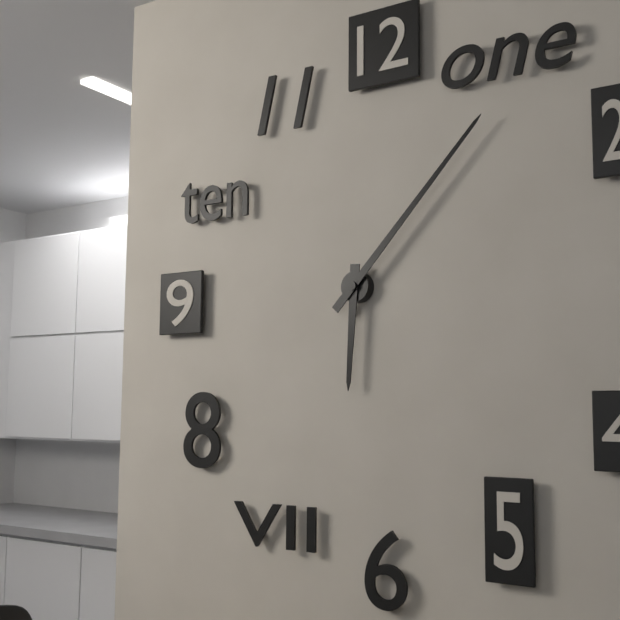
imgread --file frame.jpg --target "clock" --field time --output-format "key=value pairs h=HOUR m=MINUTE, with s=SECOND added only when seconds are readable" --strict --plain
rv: h=6 m=7
